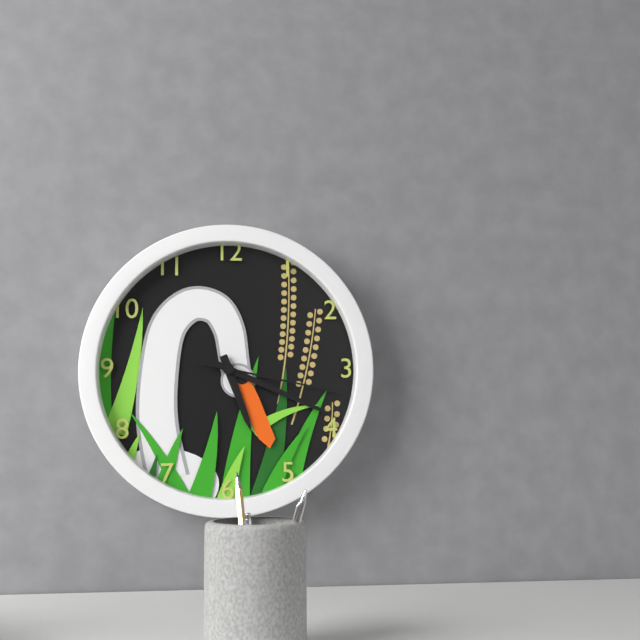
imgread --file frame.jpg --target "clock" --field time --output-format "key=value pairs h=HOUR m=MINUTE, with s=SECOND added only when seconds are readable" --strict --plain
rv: h=5 m=19 s=17
